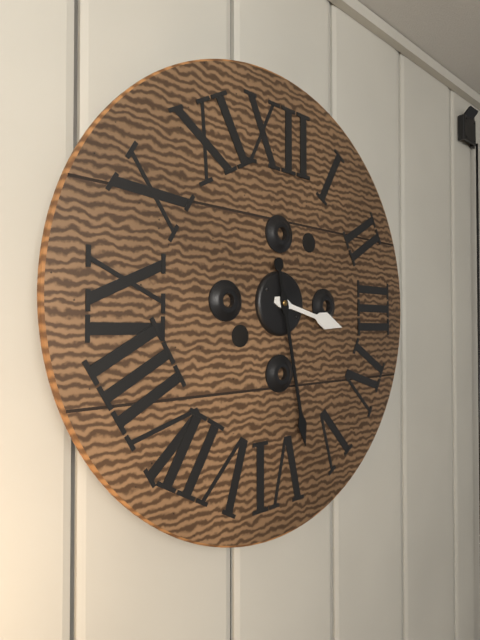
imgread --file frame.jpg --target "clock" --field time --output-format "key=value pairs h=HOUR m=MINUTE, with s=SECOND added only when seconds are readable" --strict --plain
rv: h=3 m=28
